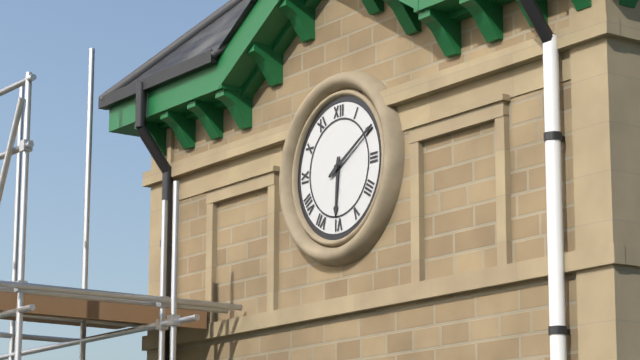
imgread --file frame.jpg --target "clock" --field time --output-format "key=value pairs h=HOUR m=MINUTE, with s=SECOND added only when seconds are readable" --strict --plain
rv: h=6 m=10
